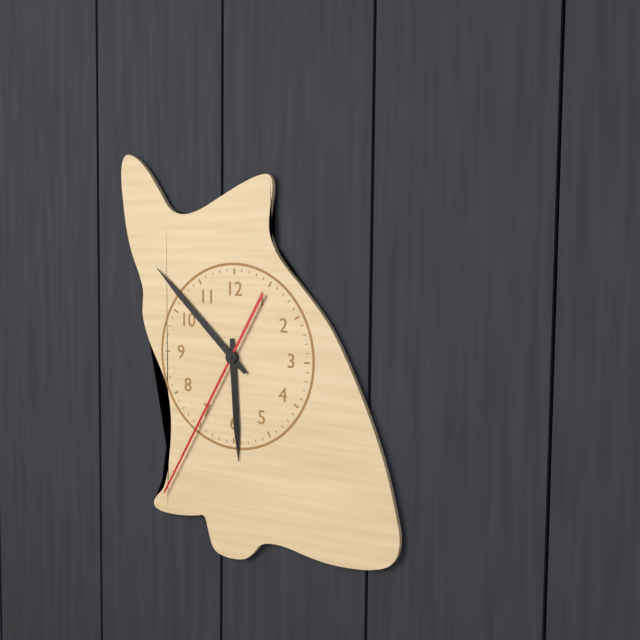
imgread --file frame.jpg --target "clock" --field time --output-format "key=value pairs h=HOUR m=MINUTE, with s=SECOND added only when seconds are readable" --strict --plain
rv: h=5 m=52 s=35
